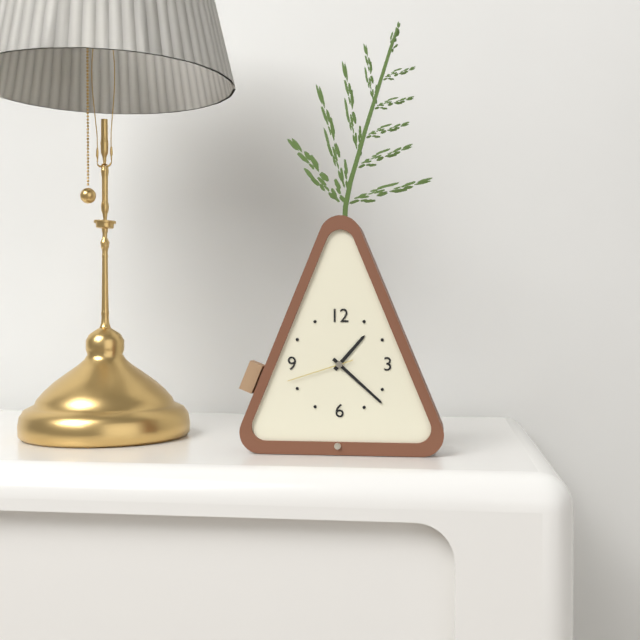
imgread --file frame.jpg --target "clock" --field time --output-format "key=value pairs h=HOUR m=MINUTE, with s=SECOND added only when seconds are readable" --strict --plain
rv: h=1 m=22 s=42
